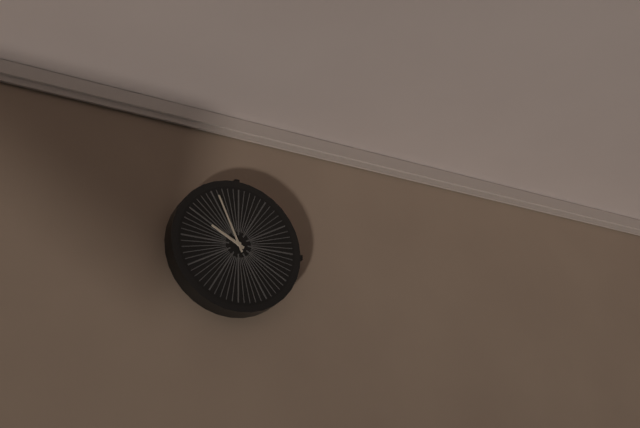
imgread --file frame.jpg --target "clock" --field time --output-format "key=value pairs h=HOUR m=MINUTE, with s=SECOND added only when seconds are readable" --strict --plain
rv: h=9 m=56
